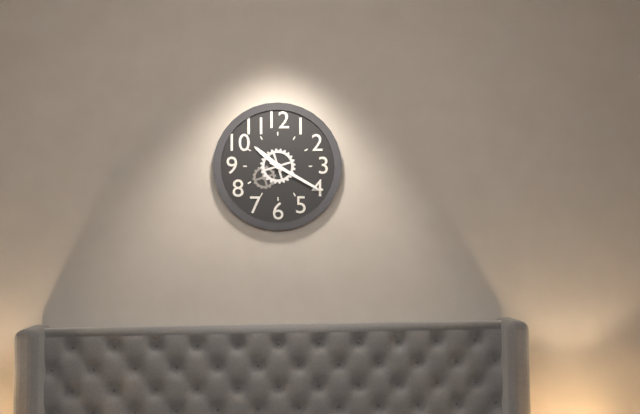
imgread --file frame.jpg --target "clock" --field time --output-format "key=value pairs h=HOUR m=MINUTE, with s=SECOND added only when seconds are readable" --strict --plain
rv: h=10 m=20
